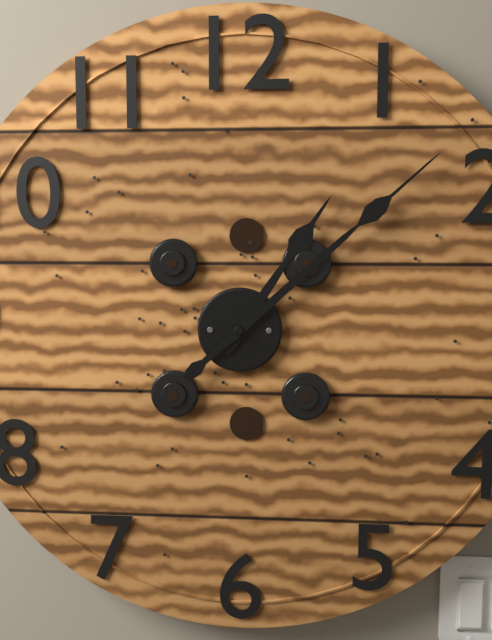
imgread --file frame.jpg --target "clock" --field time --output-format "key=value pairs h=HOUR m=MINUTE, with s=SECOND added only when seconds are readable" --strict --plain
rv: h=1 m=8
